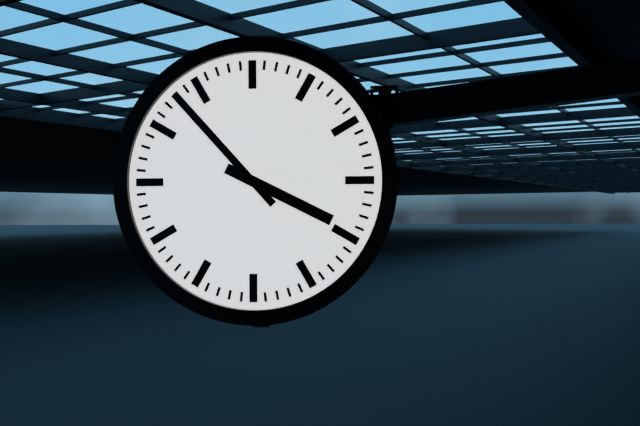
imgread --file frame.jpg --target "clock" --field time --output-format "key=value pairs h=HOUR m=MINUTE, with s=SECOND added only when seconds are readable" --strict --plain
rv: h=3 m=53
